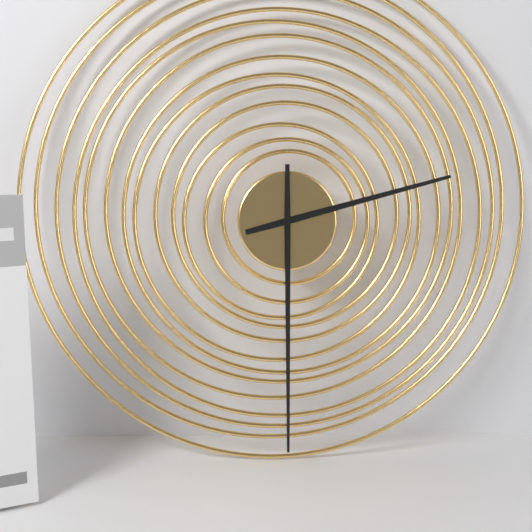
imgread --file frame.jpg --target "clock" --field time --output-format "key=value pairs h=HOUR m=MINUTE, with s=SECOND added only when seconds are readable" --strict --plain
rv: h=2 m=30
